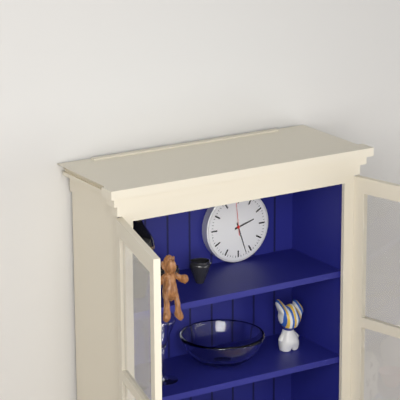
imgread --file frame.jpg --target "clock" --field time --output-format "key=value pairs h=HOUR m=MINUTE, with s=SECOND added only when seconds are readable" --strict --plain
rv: h=2 m=27
